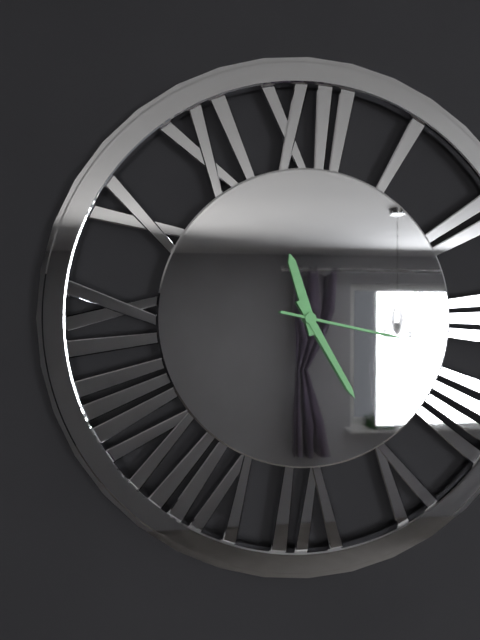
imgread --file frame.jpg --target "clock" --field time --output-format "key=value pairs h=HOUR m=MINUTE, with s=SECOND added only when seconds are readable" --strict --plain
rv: h=11 m=25 s=17
